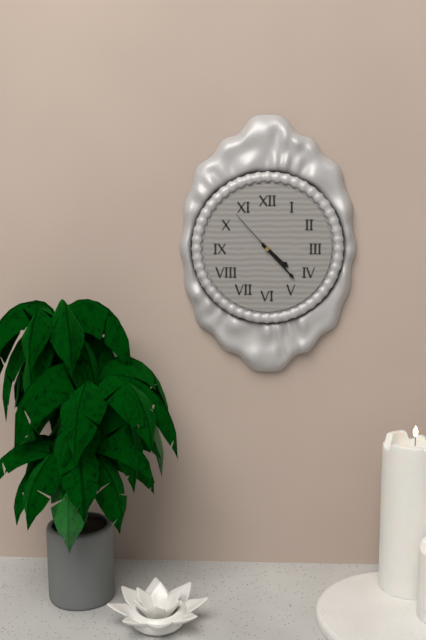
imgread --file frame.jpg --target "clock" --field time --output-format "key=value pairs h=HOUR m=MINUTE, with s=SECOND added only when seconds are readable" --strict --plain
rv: h=4 m=23 s=53
